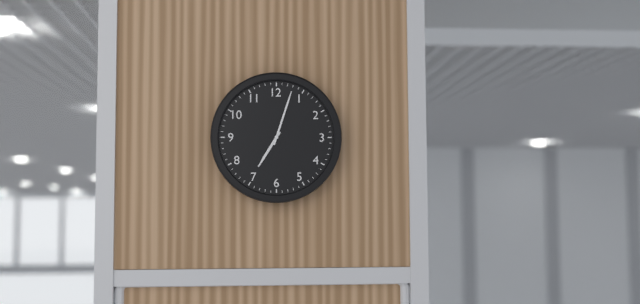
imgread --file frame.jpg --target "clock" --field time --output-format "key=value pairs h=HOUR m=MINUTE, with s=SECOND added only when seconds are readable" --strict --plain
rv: h=7 m=3
